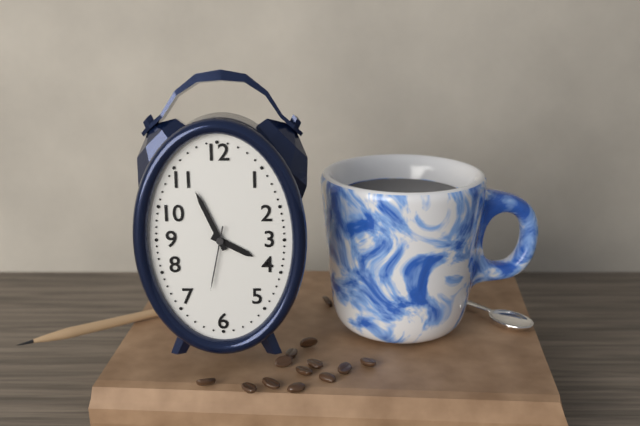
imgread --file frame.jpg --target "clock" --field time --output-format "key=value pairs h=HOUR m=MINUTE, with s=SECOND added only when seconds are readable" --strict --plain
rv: h=3 m=56 s=32
